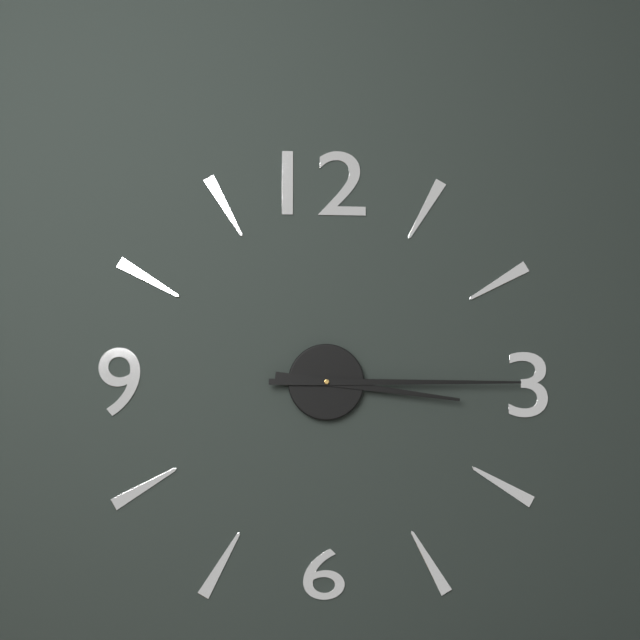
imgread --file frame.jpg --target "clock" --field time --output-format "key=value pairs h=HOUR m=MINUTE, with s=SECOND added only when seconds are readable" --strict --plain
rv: h=3 m=15
